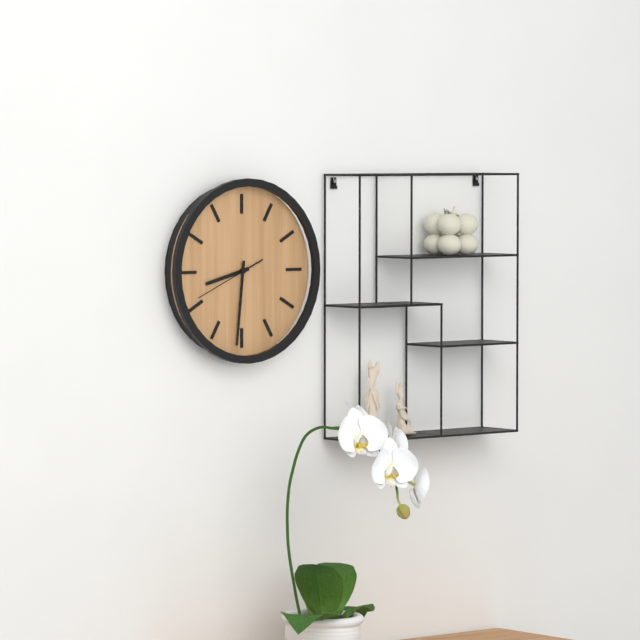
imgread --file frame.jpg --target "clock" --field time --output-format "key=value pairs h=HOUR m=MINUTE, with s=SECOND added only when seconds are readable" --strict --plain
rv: h=8 m=31 s=41
